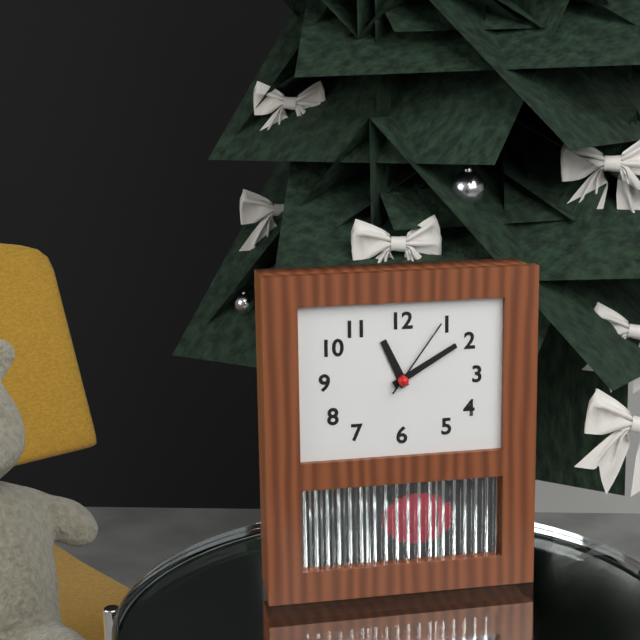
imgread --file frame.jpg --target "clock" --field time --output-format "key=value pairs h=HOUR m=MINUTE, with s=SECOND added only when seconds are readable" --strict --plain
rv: h=11 m=10 s=6
